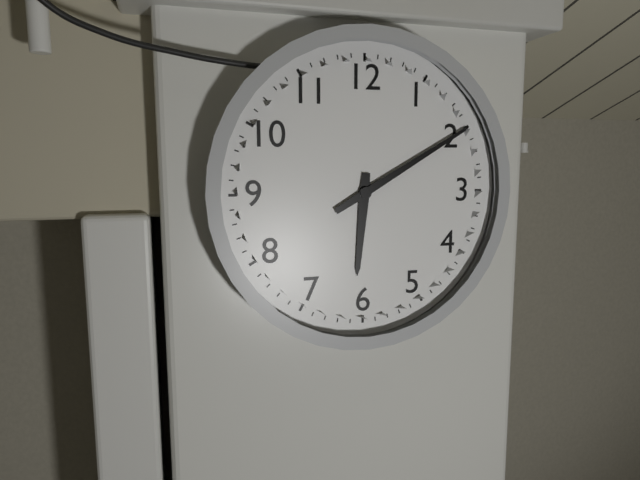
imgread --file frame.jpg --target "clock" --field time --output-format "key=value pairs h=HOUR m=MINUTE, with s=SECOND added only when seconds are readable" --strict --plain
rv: h=6 m=10
